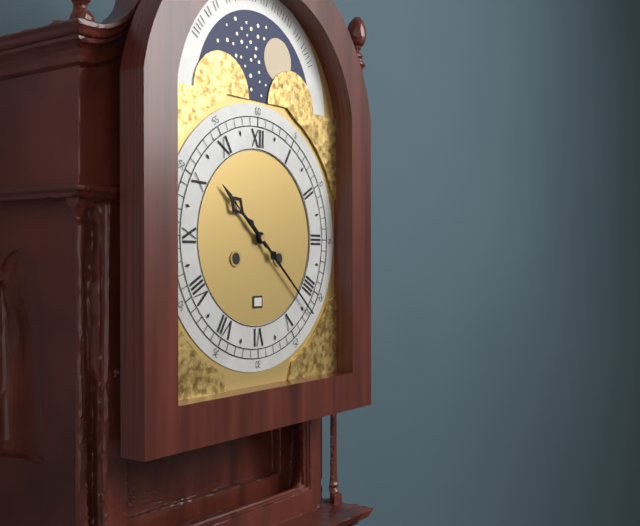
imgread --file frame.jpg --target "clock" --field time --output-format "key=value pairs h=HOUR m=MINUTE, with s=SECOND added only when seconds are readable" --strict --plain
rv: h=10 m=22
